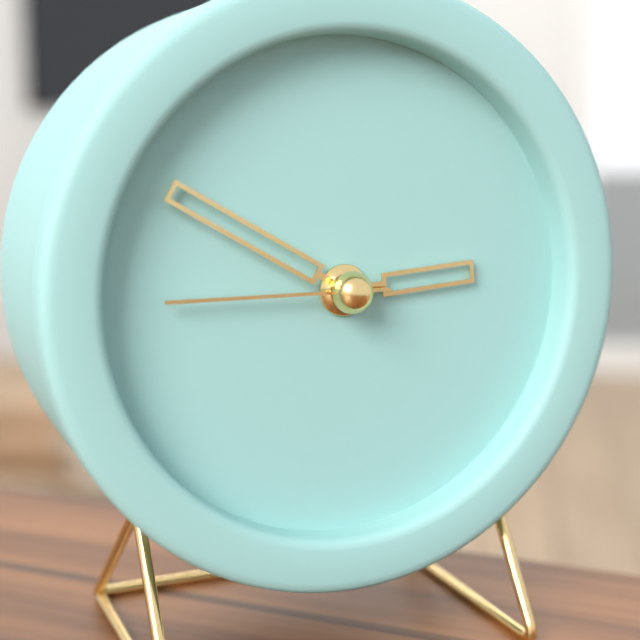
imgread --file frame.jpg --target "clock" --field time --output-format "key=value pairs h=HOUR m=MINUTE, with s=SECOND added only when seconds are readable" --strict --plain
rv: h=2 m=50 s=45
